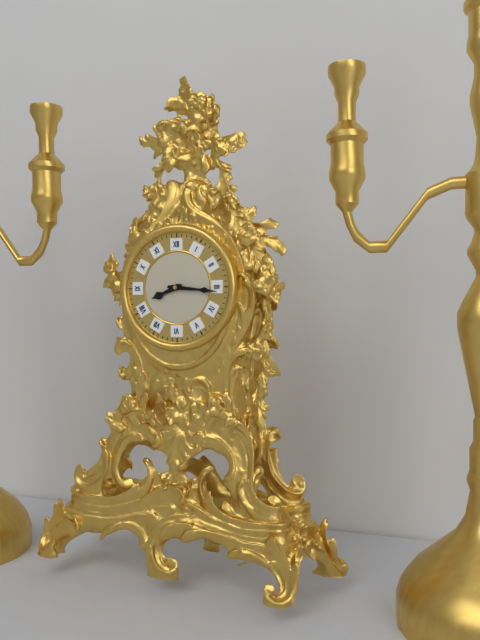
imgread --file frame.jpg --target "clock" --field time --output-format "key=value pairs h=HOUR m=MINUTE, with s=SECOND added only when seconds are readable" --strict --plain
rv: h=8 m=16
